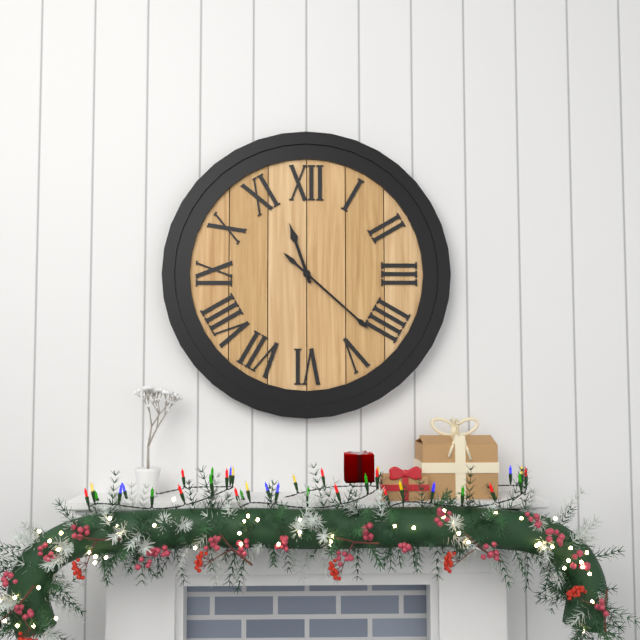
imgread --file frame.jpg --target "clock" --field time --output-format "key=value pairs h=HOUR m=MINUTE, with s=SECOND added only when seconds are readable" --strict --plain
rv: h=11 m=22
